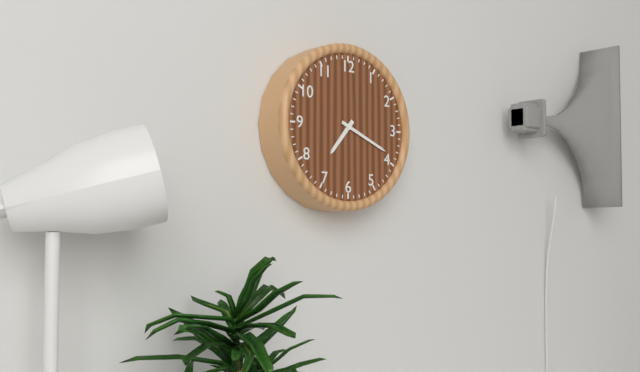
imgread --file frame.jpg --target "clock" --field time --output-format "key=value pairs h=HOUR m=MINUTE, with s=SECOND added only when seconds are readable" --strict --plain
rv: h=7 m=19
